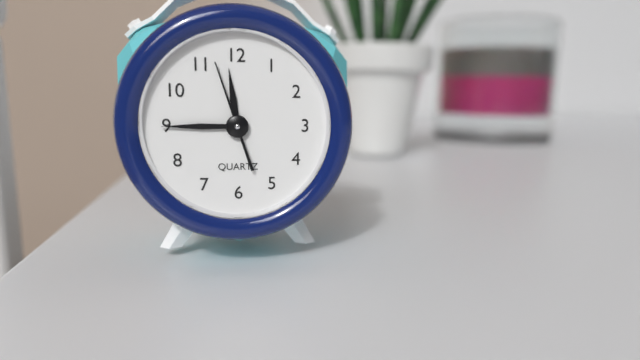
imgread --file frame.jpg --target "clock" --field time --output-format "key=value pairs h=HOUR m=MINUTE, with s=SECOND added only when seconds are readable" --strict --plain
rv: h=11 m=45 s=57
